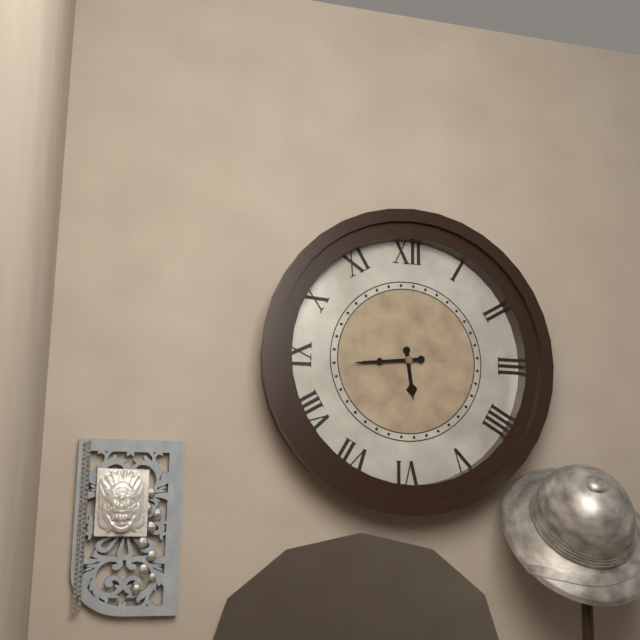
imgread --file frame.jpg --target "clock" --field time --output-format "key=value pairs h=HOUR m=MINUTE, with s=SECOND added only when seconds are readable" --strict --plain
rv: h=5 m=44
